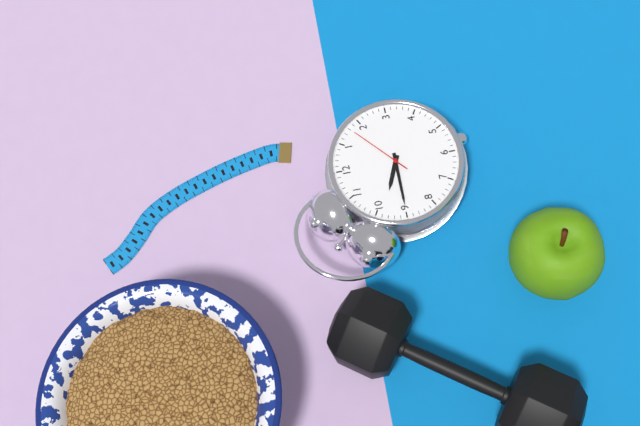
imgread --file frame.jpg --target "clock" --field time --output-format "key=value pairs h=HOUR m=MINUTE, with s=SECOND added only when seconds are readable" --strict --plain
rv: h=9 m=45 s=8
